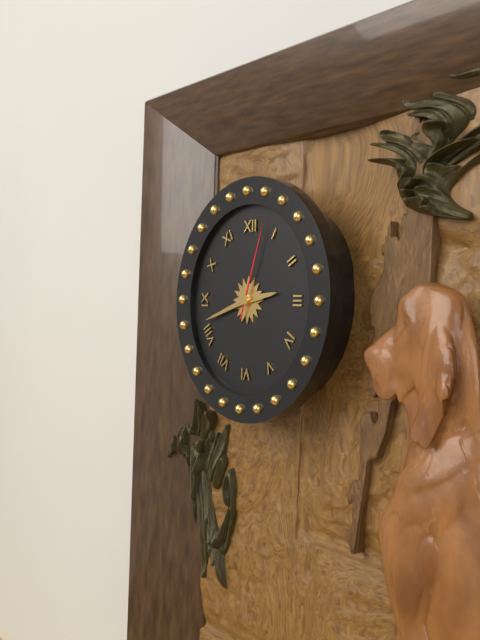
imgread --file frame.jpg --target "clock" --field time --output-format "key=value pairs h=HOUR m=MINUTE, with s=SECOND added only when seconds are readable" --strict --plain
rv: h=2 m=42 s=3
